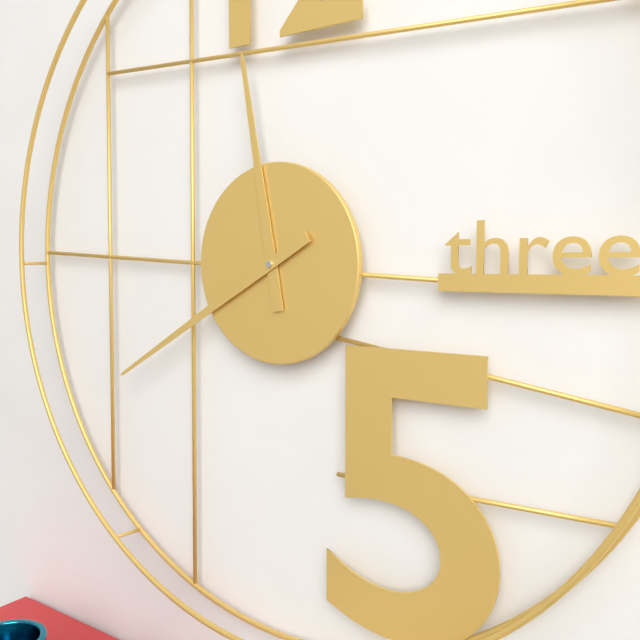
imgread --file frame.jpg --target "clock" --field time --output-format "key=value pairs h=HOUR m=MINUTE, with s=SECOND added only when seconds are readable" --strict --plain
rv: h=11 m=40
